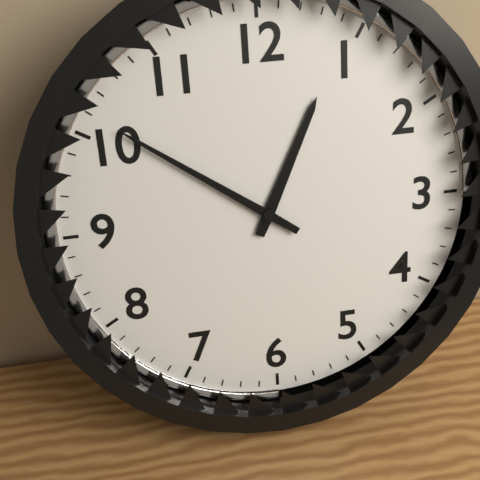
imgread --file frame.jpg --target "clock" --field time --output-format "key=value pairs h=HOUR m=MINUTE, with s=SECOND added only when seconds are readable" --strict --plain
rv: h=12 m=51
